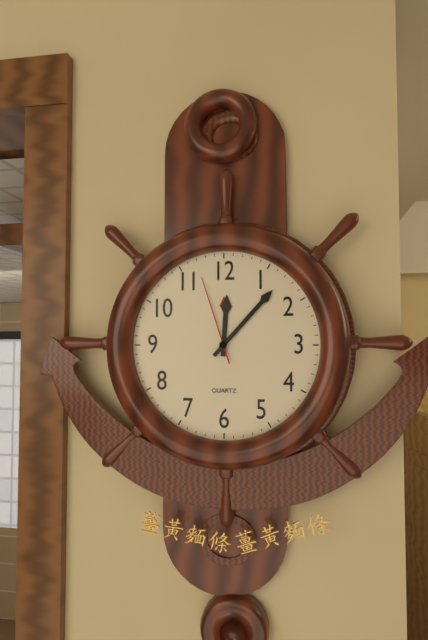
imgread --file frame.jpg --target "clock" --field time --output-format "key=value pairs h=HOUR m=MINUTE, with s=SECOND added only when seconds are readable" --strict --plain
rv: h=12 m=7 s=57
